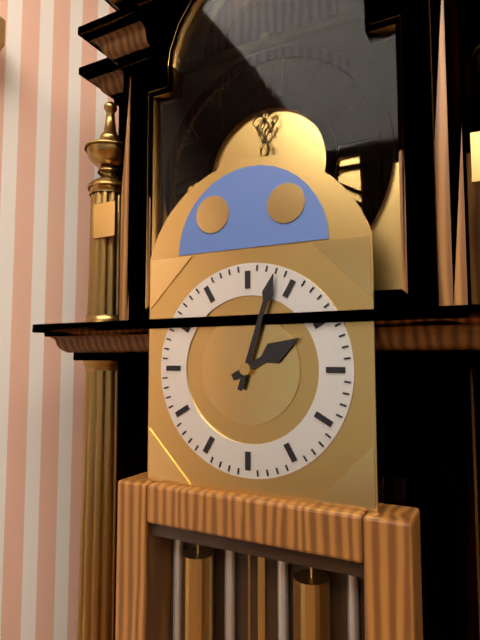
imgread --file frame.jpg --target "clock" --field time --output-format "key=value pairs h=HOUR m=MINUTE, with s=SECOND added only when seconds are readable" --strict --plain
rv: h=2 m=3
